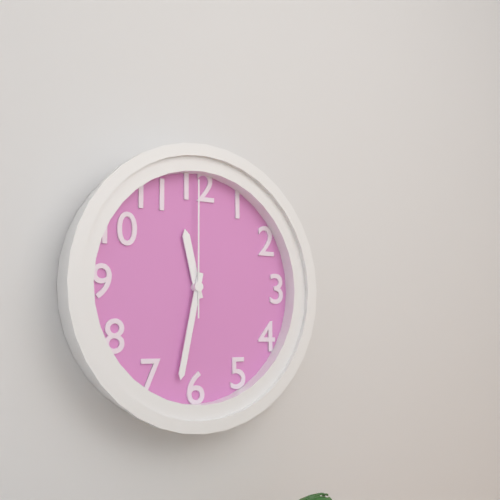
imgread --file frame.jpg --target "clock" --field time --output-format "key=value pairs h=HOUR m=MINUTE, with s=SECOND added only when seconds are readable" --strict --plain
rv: h=11 m=32 s=0
